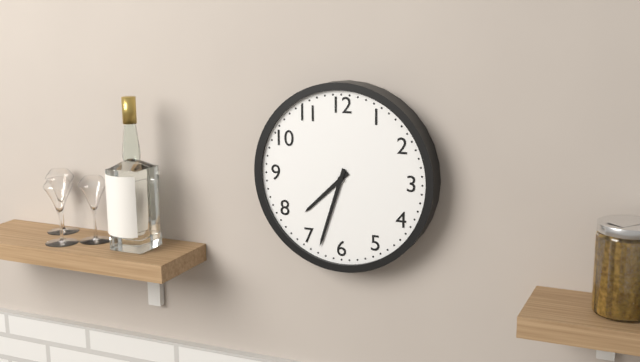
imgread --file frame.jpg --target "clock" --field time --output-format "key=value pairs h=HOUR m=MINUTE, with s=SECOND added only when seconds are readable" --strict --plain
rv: h=7 m=33
